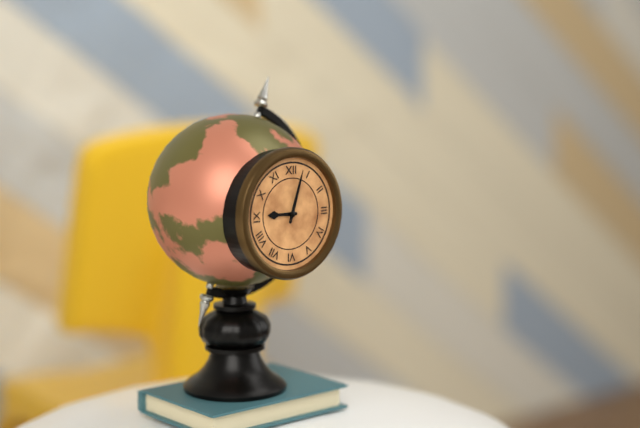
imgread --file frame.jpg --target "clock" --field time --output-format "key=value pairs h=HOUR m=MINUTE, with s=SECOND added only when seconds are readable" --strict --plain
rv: h=9 m=3
